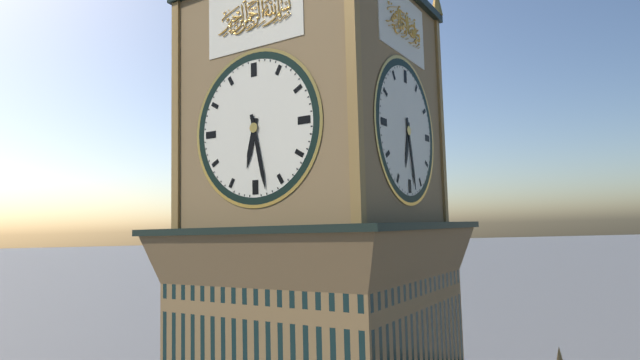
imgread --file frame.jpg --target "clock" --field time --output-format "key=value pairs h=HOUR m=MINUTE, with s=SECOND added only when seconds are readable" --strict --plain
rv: h=6 m=28
